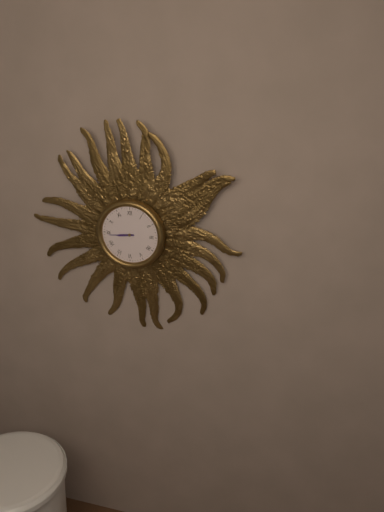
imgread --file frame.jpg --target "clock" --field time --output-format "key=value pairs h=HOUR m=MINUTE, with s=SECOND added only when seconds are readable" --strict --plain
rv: h=8 m=44
